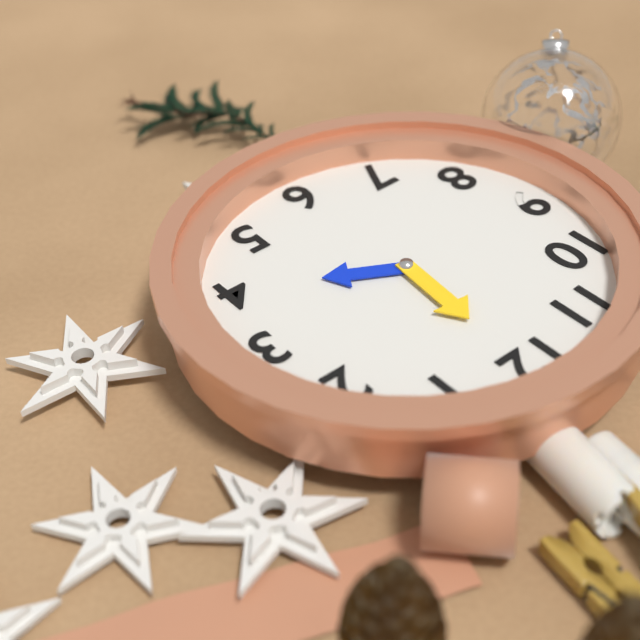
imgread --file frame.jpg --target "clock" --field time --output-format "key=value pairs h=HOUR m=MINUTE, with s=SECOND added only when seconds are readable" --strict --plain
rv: h=4 m=1
